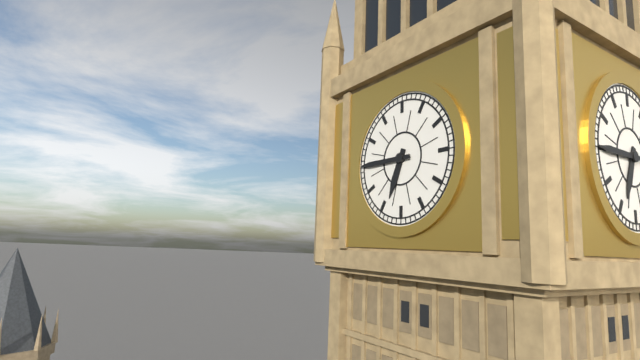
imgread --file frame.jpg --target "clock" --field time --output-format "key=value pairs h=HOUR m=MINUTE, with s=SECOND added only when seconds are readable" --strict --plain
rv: h=6 m=45
